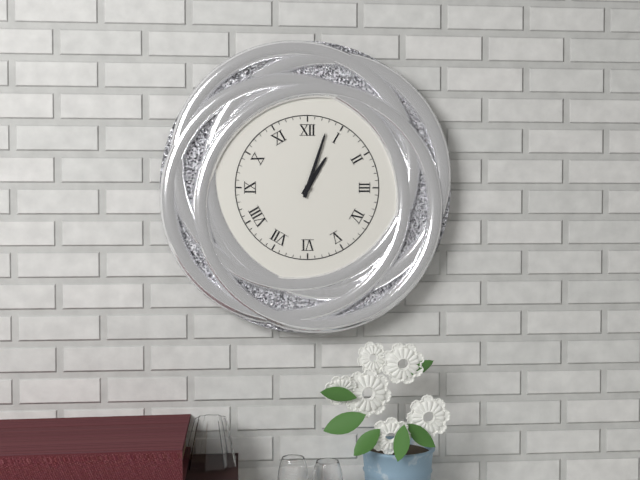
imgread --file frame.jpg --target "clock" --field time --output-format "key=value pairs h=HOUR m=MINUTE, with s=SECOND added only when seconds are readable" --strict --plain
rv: h=1 m=3
